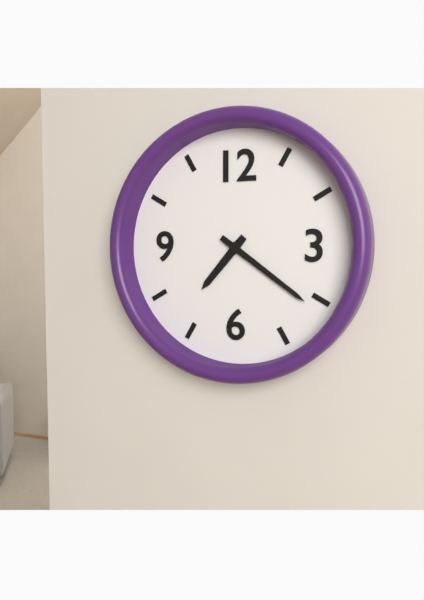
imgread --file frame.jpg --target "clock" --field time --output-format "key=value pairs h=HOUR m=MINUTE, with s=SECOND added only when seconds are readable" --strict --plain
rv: h=7 m=21
